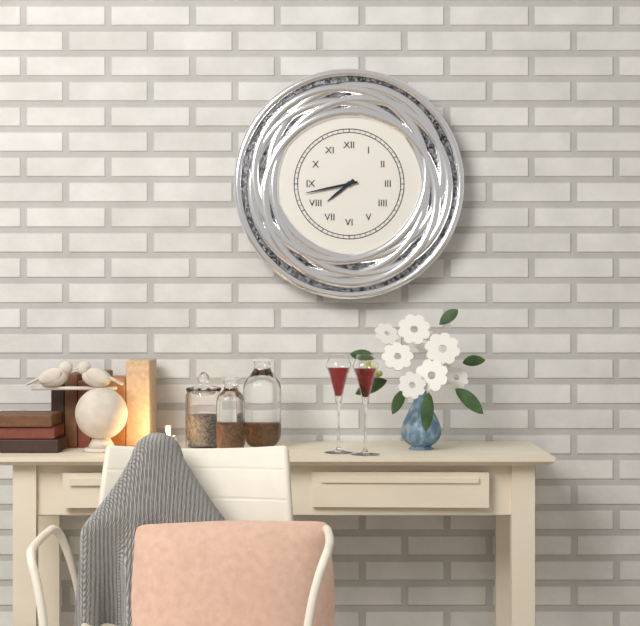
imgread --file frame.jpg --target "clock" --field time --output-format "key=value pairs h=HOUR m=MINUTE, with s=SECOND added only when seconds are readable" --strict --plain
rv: h=7 m=43
